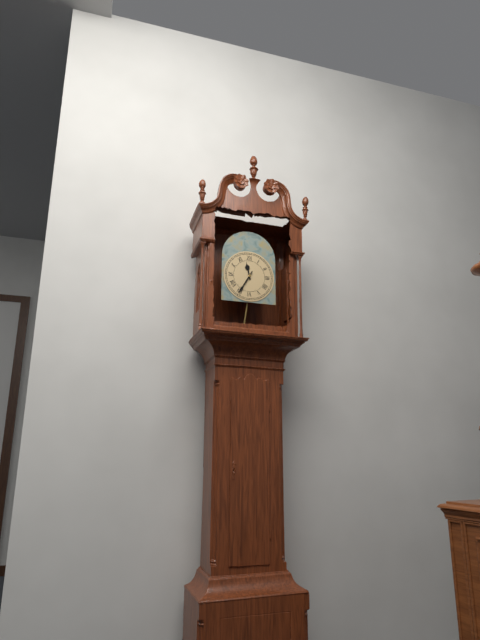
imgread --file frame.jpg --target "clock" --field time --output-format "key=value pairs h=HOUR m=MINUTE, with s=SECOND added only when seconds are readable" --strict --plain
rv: h=11 m=35
